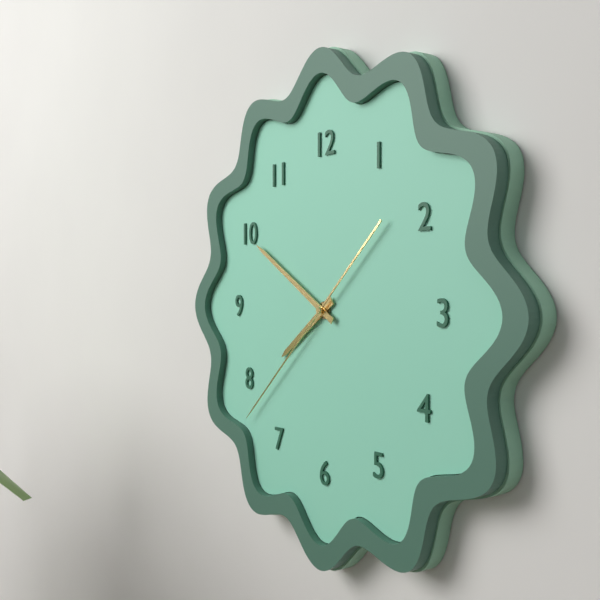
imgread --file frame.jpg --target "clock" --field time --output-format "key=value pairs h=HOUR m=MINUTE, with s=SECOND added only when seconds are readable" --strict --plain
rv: h=7 m=50 s=38
